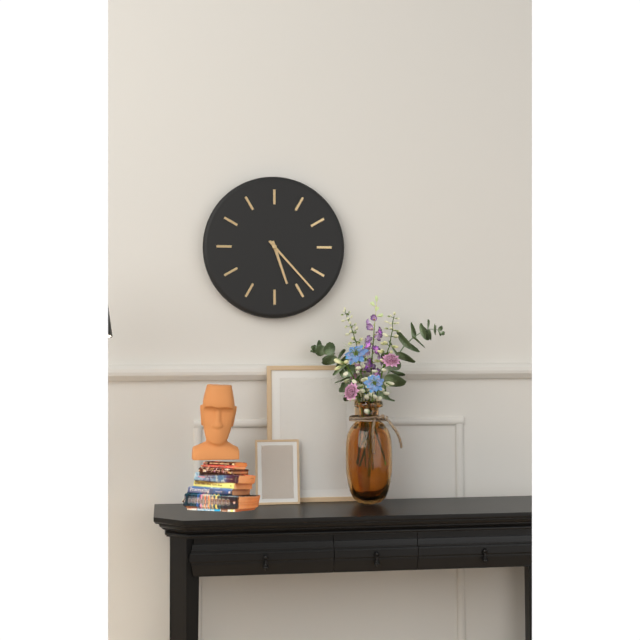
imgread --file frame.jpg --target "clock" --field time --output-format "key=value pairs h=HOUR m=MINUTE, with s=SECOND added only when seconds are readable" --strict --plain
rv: h=5 m=23
